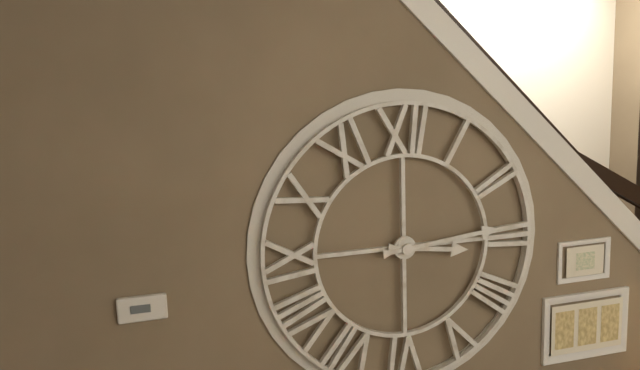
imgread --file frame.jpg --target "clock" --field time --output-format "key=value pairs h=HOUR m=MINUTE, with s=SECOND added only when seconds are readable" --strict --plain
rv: h=3 m=14
